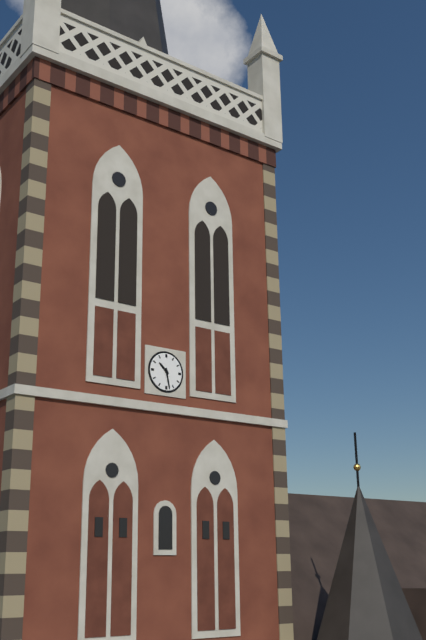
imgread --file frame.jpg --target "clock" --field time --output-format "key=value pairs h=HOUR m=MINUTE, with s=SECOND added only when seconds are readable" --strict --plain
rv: h=10 m=28
